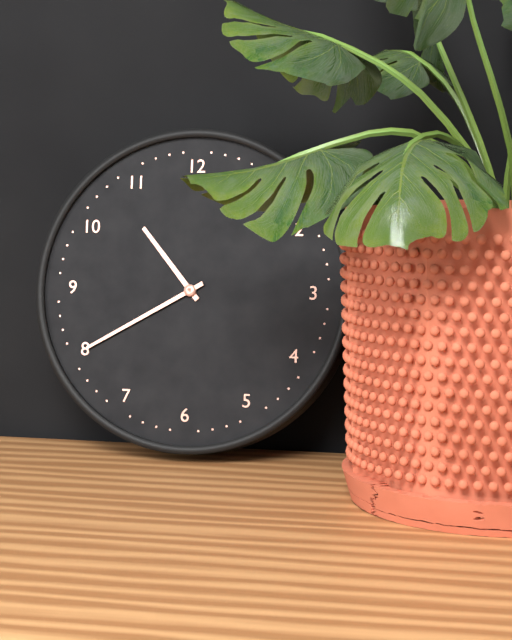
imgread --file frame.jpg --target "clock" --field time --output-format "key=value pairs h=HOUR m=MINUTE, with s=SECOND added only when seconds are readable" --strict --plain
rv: h=10 m=40
